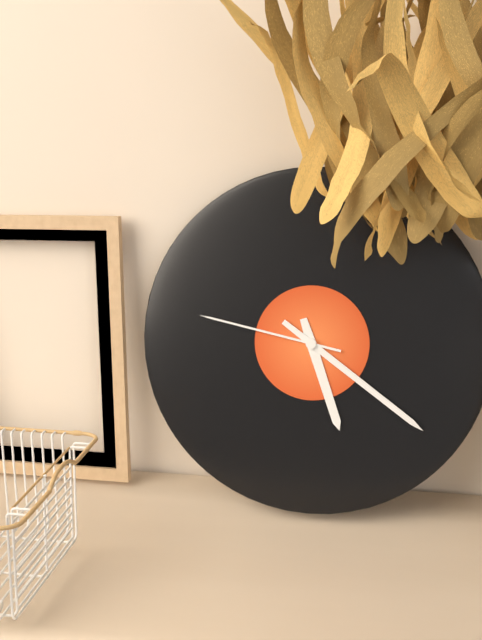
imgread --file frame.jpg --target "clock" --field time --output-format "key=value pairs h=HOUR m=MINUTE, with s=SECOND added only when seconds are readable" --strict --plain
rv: h=5 m=21 s=47
